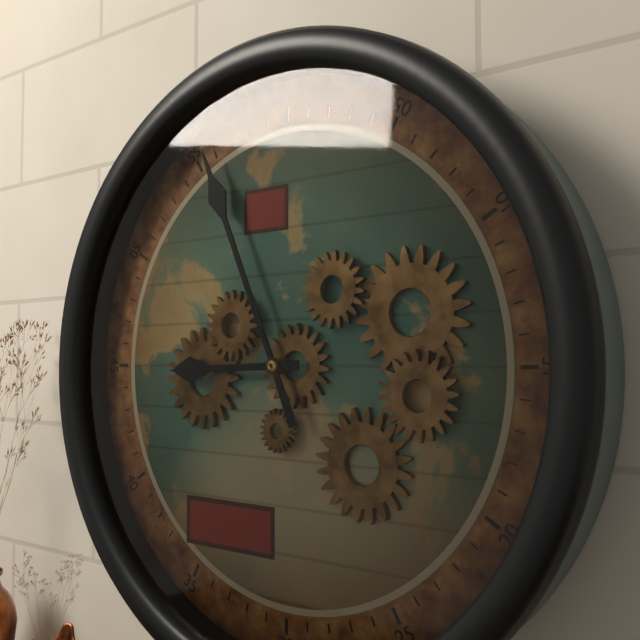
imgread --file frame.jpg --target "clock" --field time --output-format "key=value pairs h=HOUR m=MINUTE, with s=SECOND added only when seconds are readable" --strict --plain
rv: h=8 m=56
